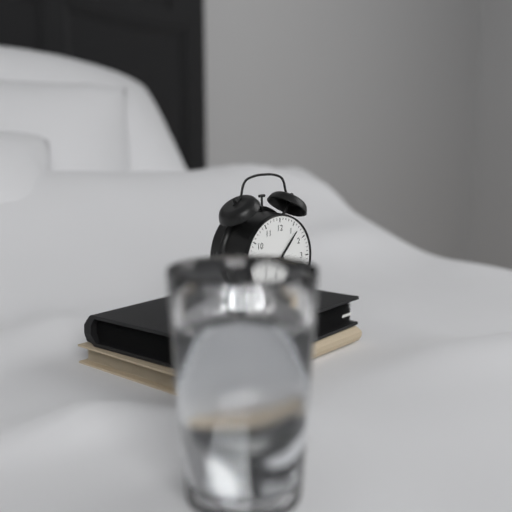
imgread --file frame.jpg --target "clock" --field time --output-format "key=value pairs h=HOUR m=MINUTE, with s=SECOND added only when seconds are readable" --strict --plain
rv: h=9 m=7
